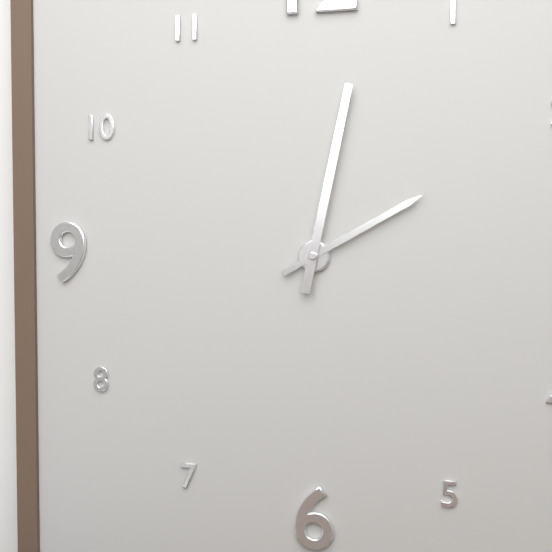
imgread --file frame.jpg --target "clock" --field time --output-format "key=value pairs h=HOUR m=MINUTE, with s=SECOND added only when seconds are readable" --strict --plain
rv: h=2 m=2
